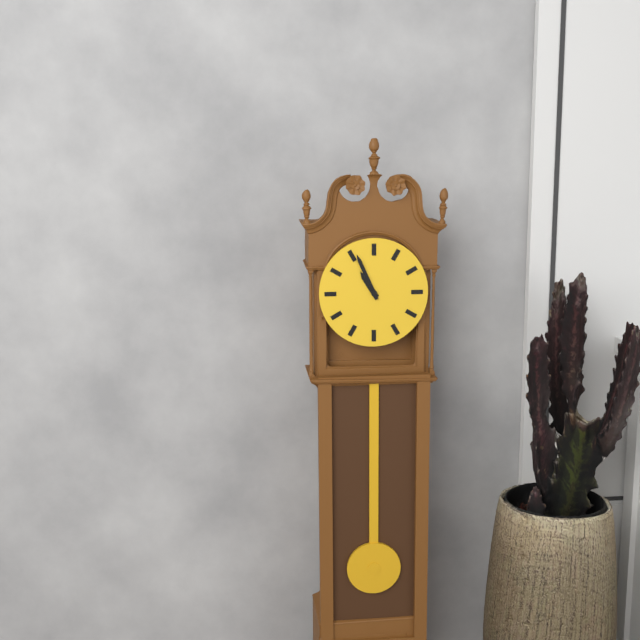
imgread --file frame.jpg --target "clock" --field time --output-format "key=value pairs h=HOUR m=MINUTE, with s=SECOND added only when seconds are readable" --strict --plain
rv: h=10 m=56
